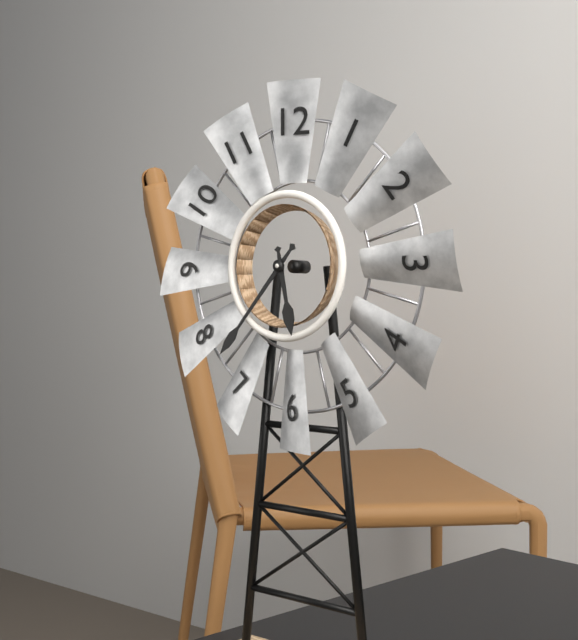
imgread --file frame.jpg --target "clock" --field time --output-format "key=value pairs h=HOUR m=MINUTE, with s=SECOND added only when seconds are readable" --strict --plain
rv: h=5 m=37
